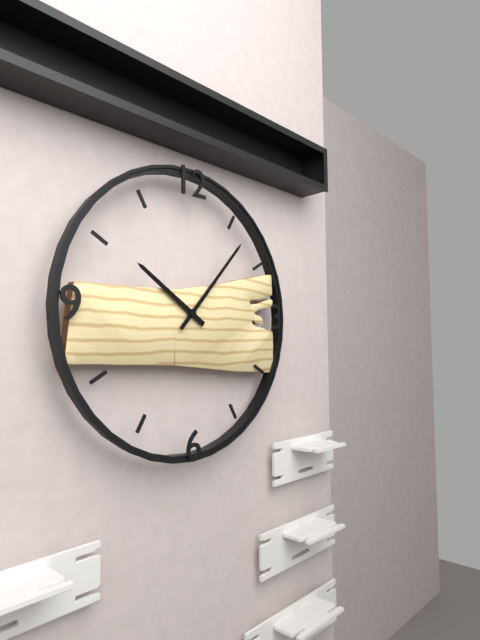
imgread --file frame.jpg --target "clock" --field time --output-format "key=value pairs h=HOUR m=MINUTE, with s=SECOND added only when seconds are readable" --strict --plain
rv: h=10 m=7
